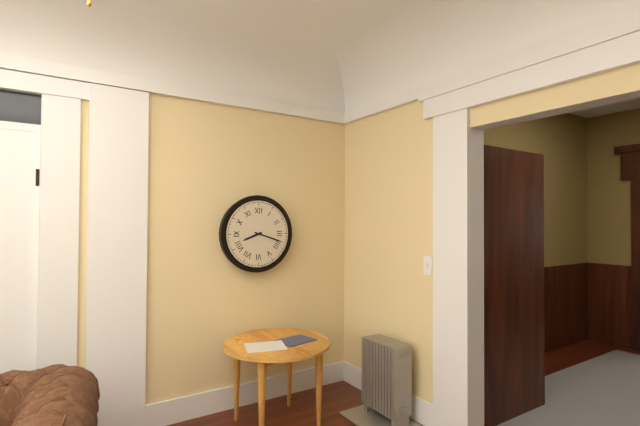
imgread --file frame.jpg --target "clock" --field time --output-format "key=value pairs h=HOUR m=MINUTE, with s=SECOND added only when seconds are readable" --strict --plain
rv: h=8 m=18
